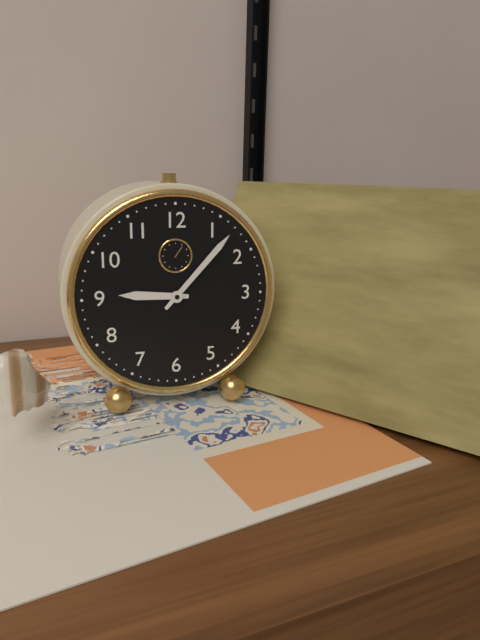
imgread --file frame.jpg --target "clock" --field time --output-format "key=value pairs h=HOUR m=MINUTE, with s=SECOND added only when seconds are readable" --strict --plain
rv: h=9 m=7
